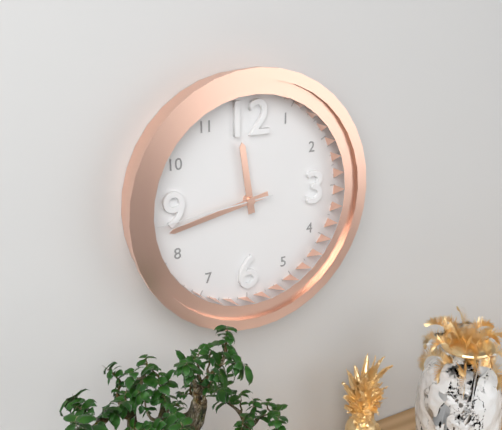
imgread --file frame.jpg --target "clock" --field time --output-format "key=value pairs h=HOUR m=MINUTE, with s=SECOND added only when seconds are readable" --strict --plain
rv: h=11 m=43 s=44
